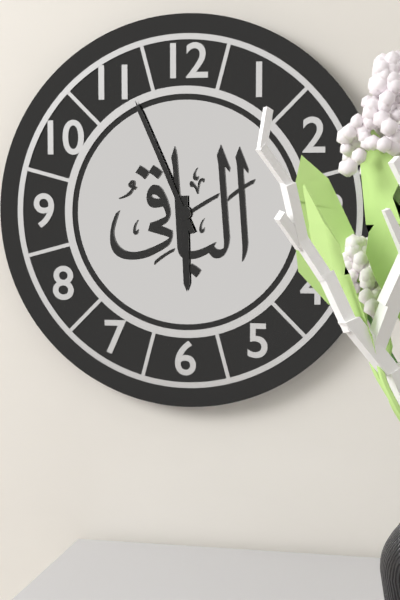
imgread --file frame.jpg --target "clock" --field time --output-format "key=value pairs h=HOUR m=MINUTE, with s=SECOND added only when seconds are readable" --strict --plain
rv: h=5 m=56
